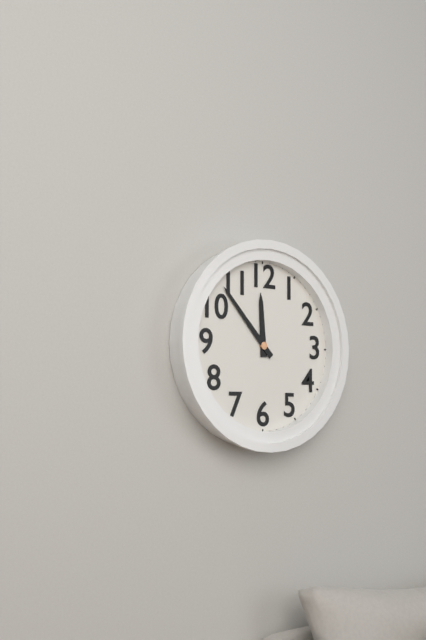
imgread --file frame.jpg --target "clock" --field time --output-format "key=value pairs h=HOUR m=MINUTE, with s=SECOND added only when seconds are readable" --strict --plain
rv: h=11 m=53
